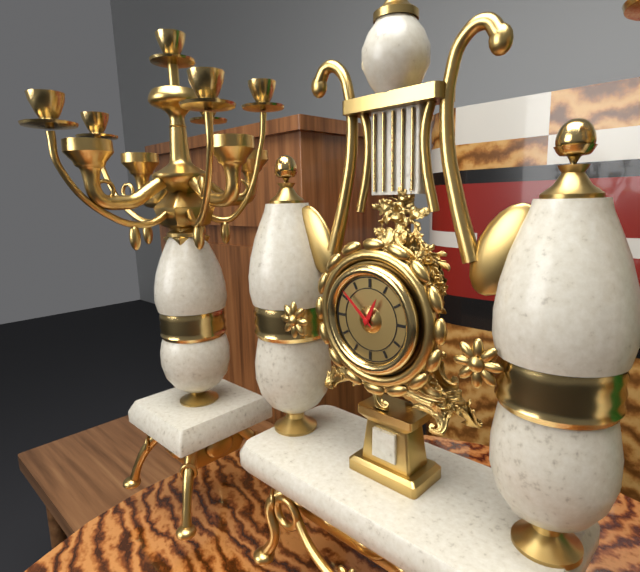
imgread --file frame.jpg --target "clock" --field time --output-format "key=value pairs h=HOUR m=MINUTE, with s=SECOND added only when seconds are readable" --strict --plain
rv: h=12 m=52
